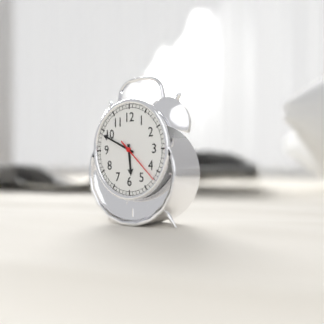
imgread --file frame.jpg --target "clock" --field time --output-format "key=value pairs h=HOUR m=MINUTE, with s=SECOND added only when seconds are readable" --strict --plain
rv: h=5 m=49
